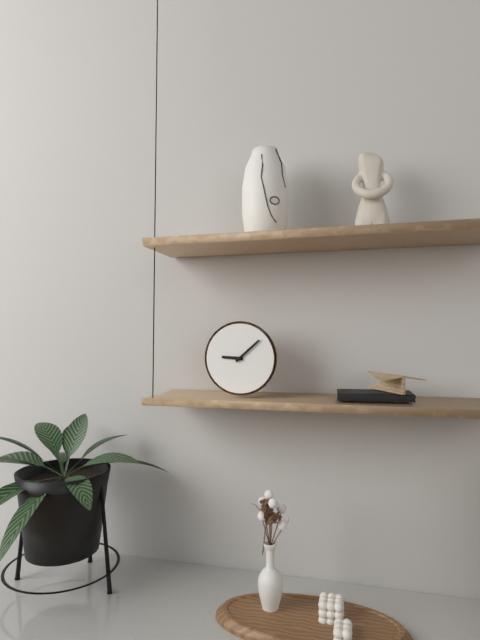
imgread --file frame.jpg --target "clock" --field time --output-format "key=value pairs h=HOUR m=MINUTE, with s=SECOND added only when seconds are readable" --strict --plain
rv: h=9 m=8
